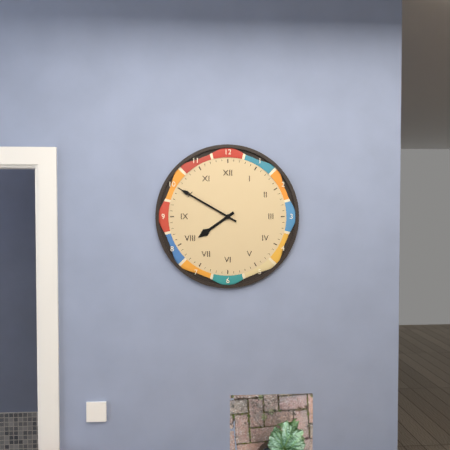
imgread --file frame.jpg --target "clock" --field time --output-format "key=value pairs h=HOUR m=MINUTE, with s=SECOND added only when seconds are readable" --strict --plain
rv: h=7 m=50
